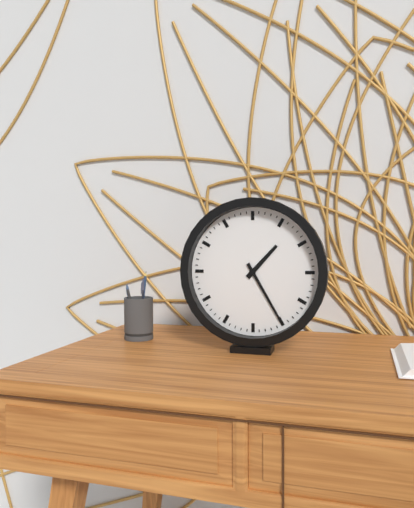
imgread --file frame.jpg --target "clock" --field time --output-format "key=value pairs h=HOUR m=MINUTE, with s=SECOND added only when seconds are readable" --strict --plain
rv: h=1 m=25
